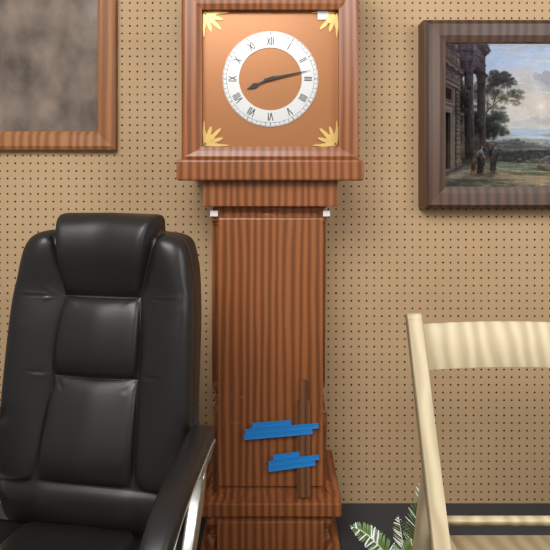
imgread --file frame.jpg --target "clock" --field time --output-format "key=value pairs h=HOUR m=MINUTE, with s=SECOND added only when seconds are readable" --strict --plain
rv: h=8 m=13
